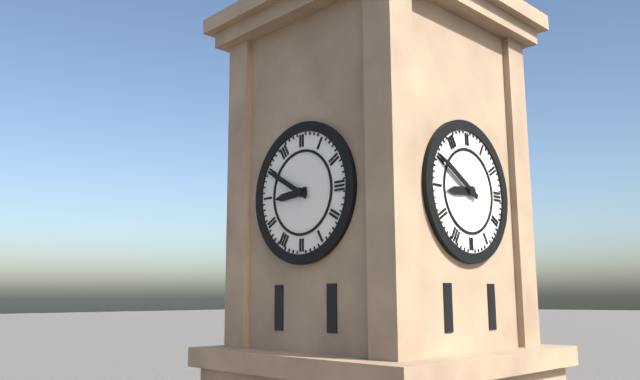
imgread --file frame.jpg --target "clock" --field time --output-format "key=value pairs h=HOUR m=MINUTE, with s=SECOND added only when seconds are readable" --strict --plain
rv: h=8 m=50
